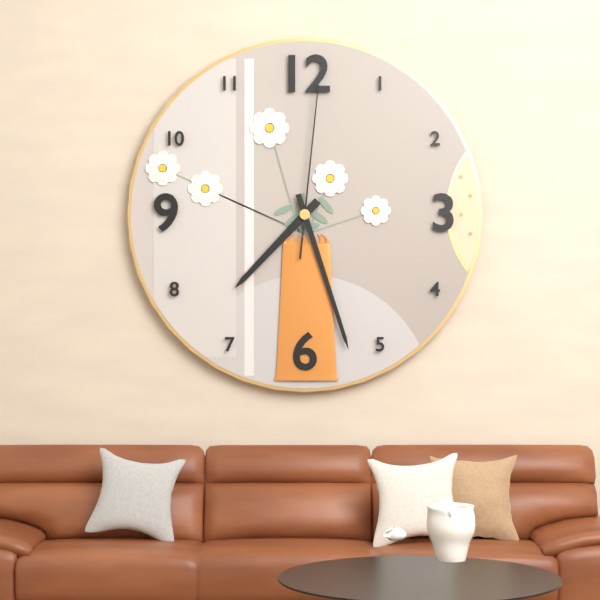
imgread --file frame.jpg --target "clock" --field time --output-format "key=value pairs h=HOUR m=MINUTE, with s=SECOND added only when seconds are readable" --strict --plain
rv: h=7 m=27 s=1
